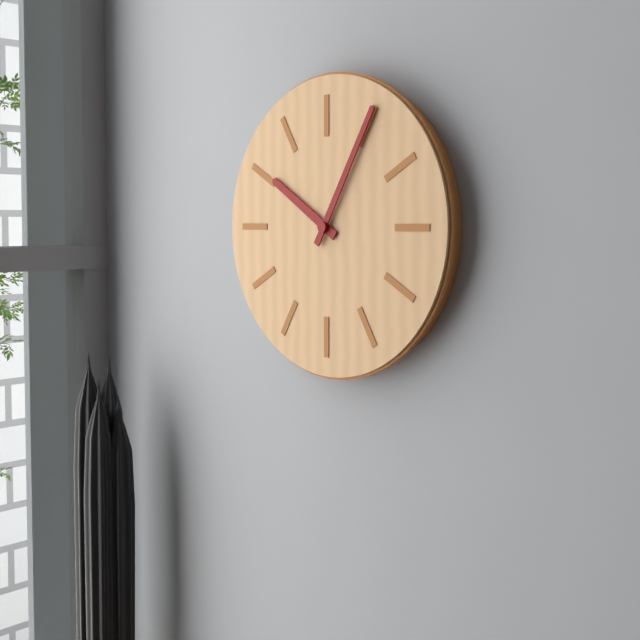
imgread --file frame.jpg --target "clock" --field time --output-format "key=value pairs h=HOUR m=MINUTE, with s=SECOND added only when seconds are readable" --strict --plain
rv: h=10 m=5
